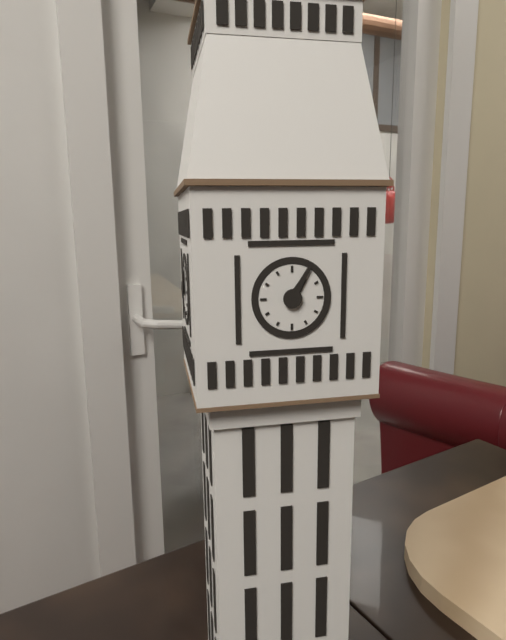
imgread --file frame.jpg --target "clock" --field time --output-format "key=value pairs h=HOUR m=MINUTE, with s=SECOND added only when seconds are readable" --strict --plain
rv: h=1 m=5
